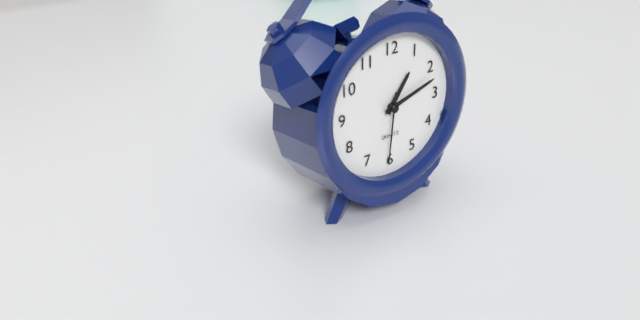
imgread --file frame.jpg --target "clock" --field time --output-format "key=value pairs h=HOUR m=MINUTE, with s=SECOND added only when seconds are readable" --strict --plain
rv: h=1 m=12 s=31
